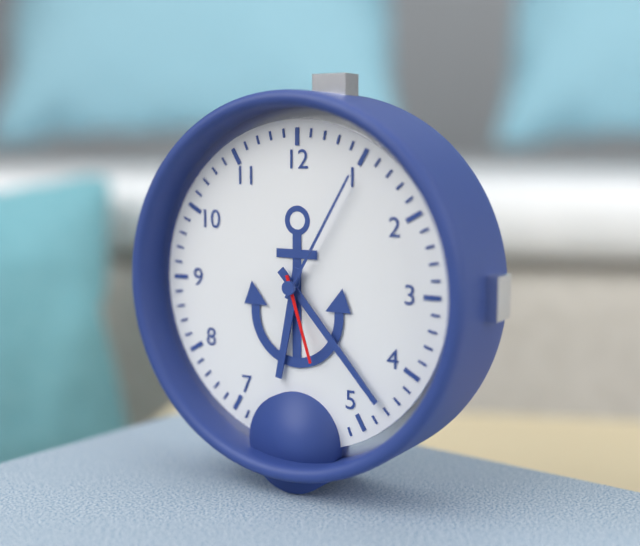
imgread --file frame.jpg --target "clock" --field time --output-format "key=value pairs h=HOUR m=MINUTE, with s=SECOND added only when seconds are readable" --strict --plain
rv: h=6 m=23 s=27
